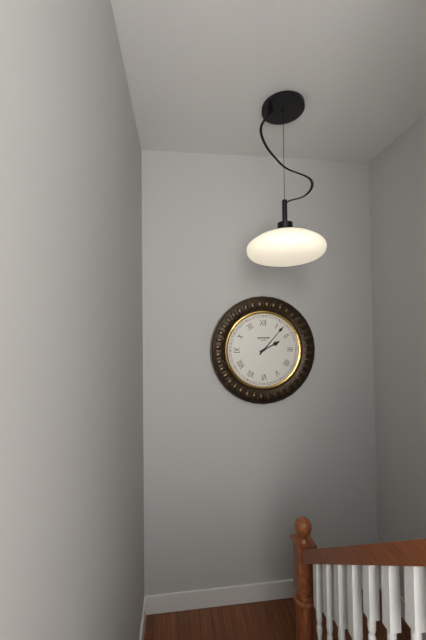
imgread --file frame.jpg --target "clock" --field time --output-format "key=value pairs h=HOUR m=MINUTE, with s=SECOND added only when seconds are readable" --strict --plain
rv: h=2 m=7
